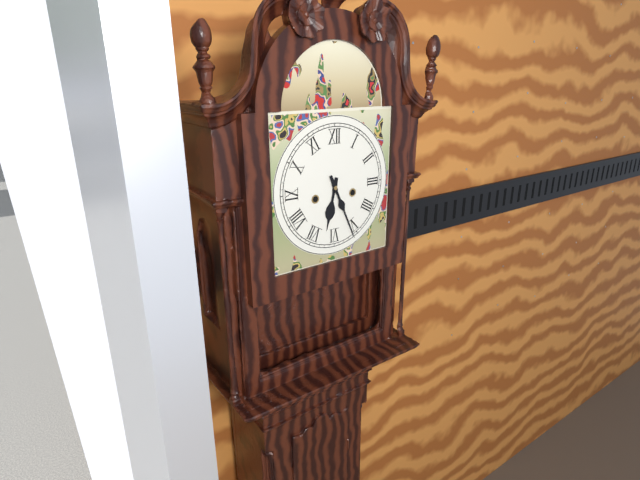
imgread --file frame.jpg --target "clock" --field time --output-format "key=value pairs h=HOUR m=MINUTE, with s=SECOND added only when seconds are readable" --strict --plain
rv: h=6 m=26
